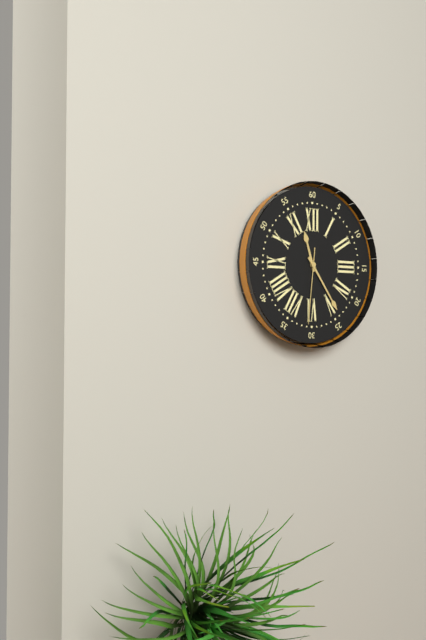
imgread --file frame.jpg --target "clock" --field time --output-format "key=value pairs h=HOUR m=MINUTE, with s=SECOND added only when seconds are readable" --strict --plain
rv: h=11 m=24 s=31
